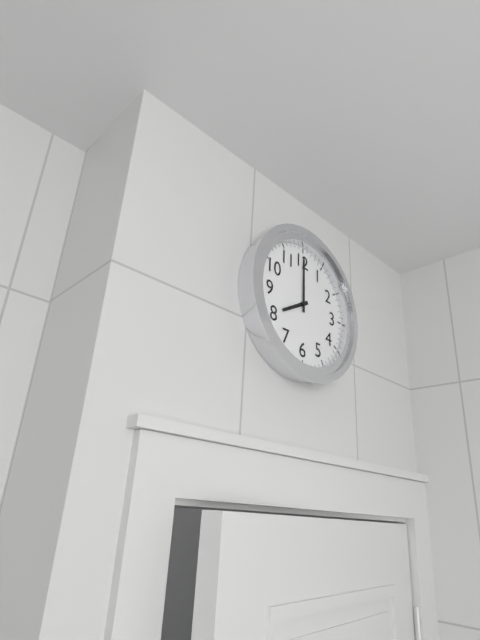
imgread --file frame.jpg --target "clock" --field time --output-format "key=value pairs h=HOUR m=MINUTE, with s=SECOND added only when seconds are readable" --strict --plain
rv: h=8 m=0
